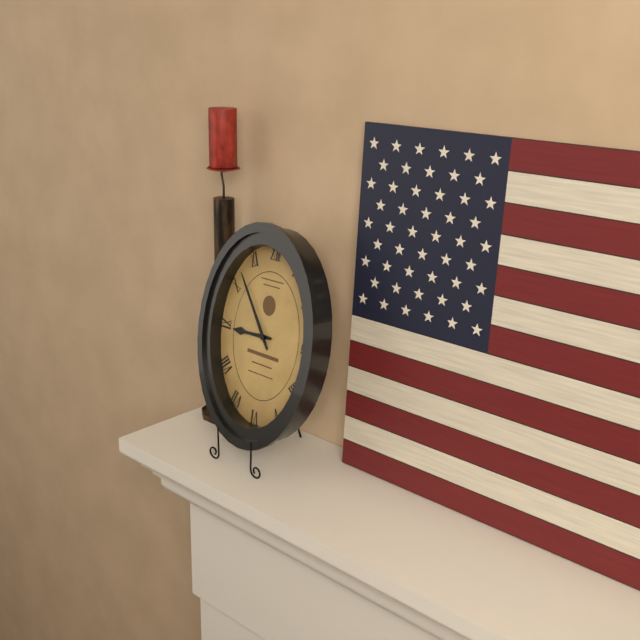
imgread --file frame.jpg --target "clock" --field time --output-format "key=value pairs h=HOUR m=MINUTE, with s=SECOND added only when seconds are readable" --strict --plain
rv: h=8 m=54
